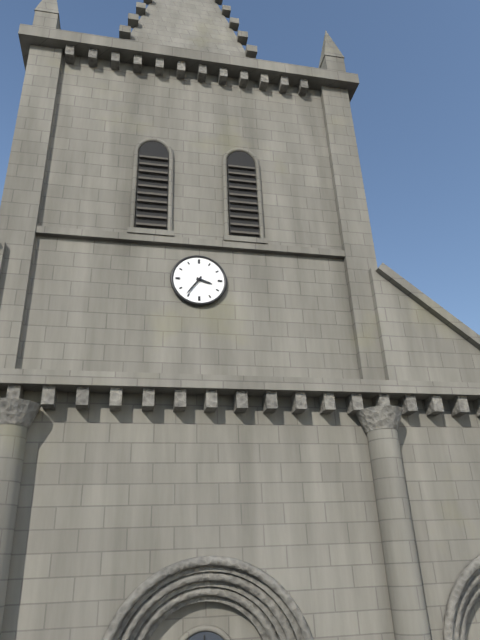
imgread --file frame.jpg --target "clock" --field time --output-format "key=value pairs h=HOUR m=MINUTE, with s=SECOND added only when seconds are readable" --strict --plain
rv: h=3 m=36
